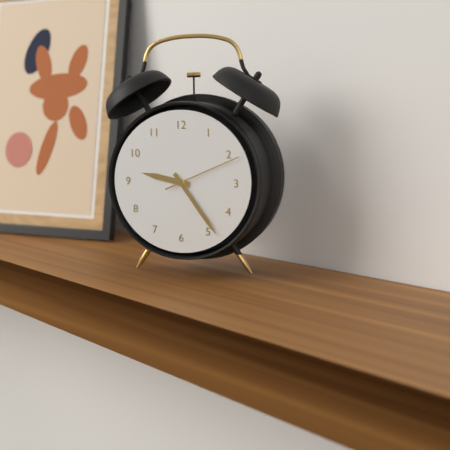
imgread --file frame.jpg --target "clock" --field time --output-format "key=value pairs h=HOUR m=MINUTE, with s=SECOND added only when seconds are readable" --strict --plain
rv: h=9 m=24 s=11
